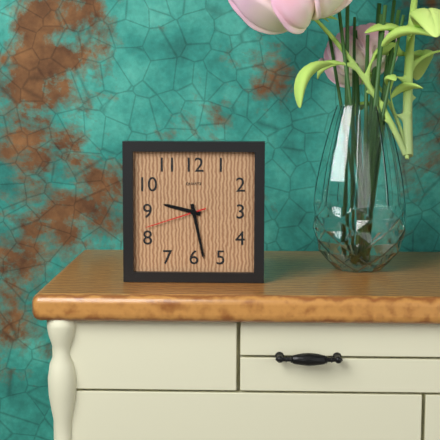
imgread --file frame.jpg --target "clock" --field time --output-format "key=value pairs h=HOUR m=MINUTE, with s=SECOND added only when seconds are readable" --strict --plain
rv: h=9 m=28 s=42
